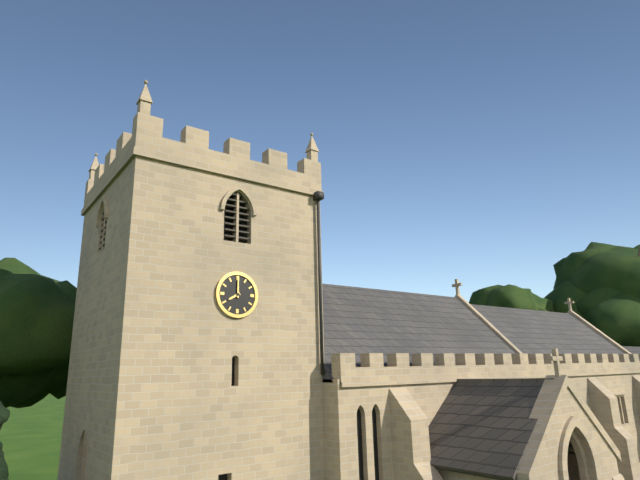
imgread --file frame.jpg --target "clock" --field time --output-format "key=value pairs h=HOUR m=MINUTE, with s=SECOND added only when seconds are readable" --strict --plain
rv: h=8 m=0
